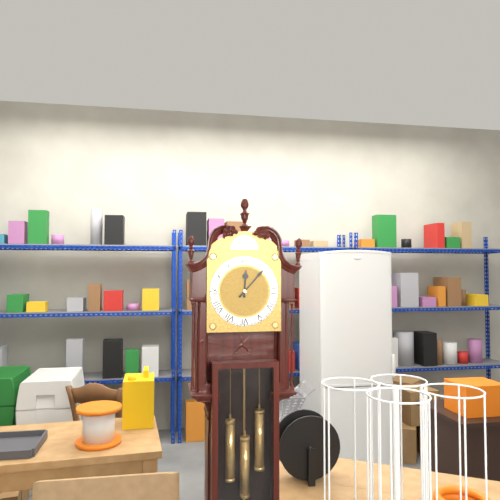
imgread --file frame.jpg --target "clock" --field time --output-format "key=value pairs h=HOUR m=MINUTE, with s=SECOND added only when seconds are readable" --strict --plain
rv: h=12 m=7
